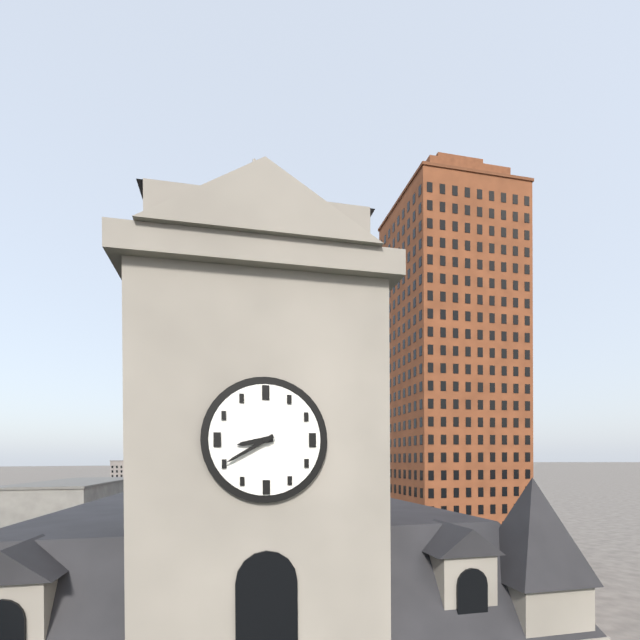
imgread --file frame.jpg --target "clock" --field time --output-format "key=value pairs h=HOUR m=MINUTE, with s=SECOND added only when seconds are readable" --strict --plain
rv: h=8 m=40
